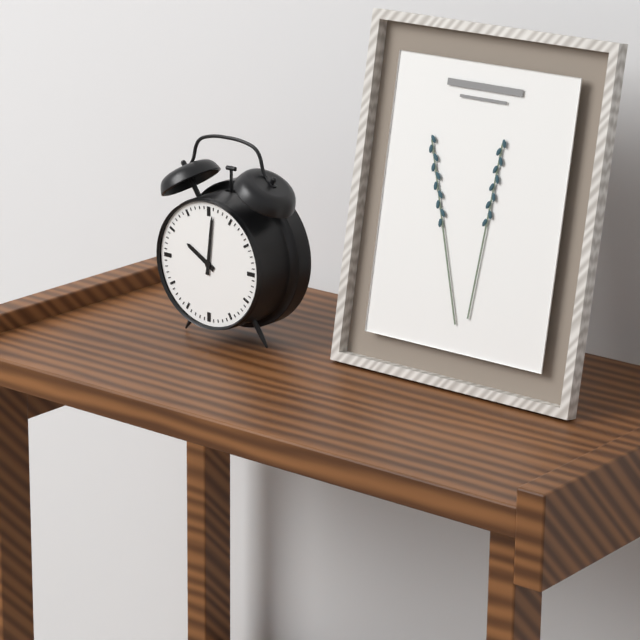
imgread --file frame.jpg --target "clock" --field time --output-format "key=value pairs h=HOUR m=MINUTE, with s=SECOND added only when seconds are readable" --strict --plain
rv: h=10 m=1
